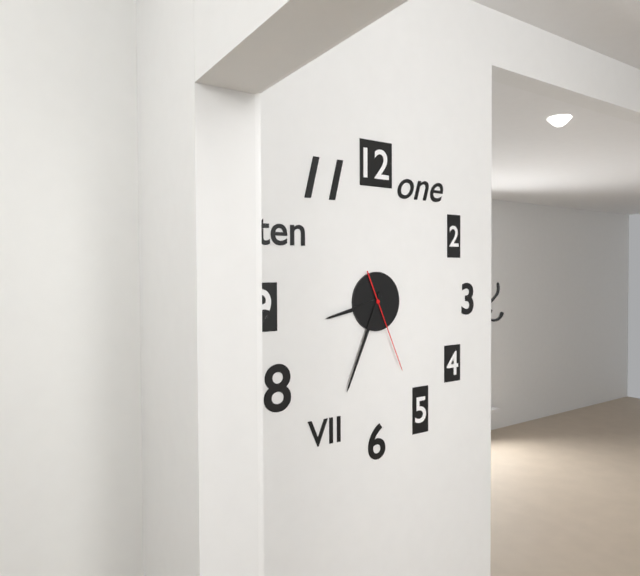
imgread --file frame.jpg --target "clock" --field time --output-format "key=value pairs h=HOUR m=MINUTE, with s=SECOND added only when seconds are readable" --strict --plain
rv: h=8 m=34 s=26
